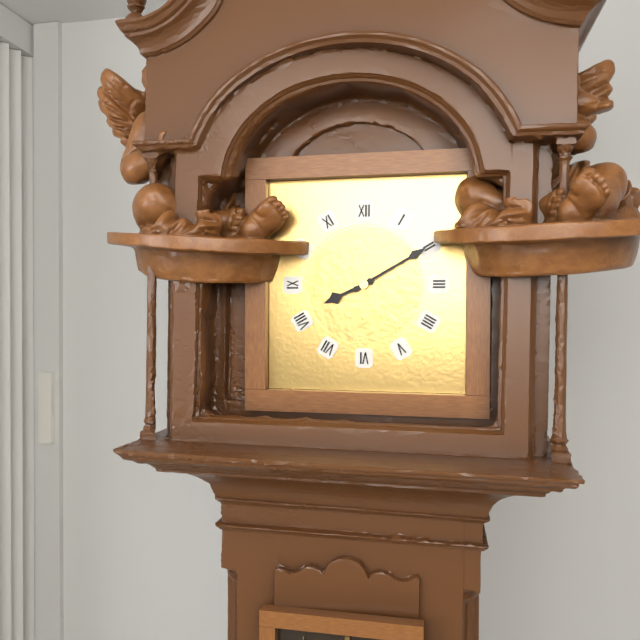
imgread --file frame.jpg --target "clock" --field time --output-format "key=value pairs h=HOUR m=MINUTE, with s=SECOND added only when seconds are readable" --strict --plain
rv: h=8 m=10
